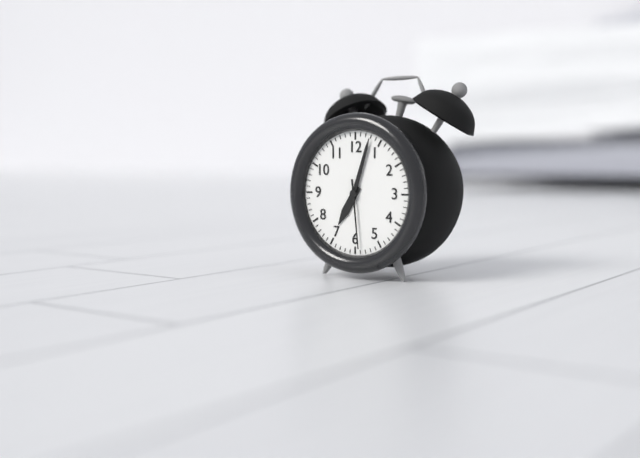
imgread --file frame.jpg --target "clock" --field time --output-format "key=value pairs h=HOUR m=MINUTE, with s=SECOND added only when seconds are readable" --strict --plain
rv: h=7 m=3 s=29
